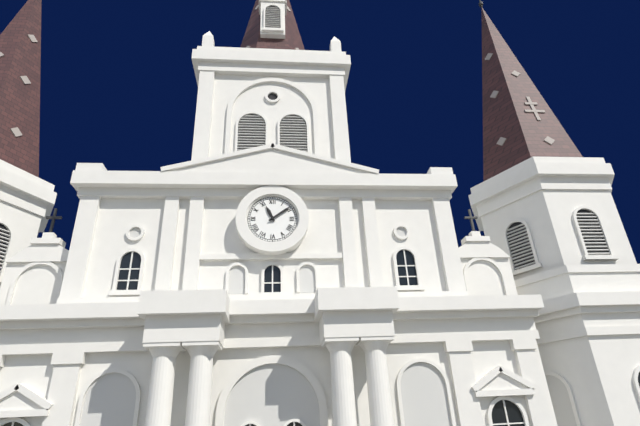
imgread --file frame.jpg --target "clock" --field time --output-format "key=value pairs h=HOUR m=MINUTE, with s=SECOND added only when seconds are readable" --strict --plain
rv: h=11 m=9
